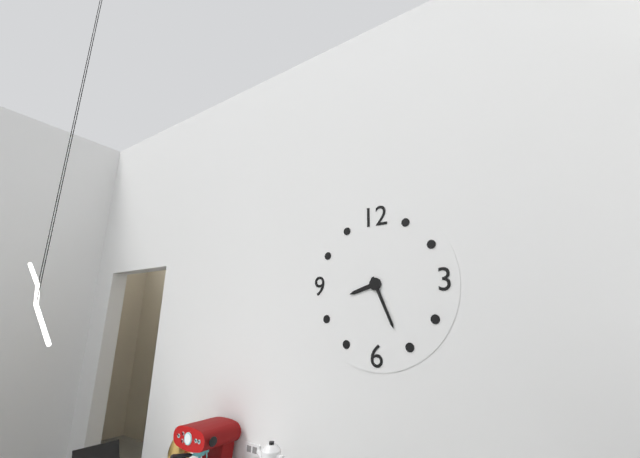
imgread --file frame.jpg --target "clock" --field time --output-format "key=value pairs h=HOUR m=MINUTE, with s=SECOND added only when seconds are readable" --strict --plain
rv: h=8 m=26
